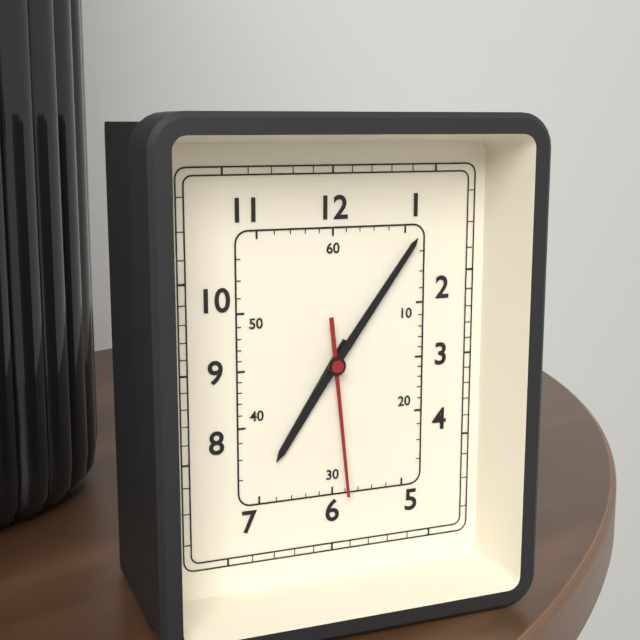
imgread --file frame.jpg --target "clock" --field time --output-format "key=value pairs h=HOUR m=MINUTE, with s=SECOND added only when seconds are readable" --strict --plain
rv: h=7 m=6 s=29
